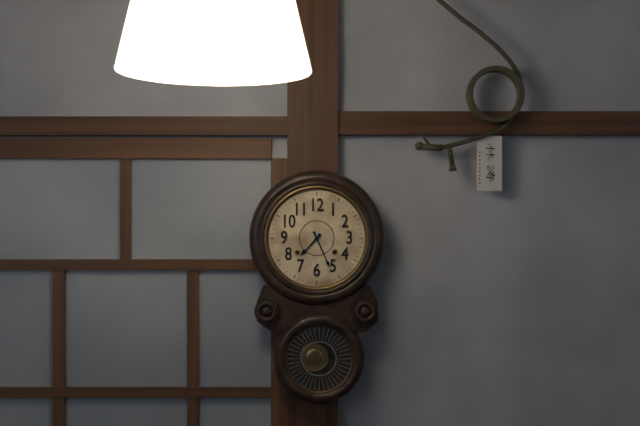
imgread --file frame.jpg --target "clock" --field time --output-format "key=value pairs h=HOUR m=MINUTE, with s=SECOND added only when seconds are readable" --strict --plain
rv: h=7 m=26
